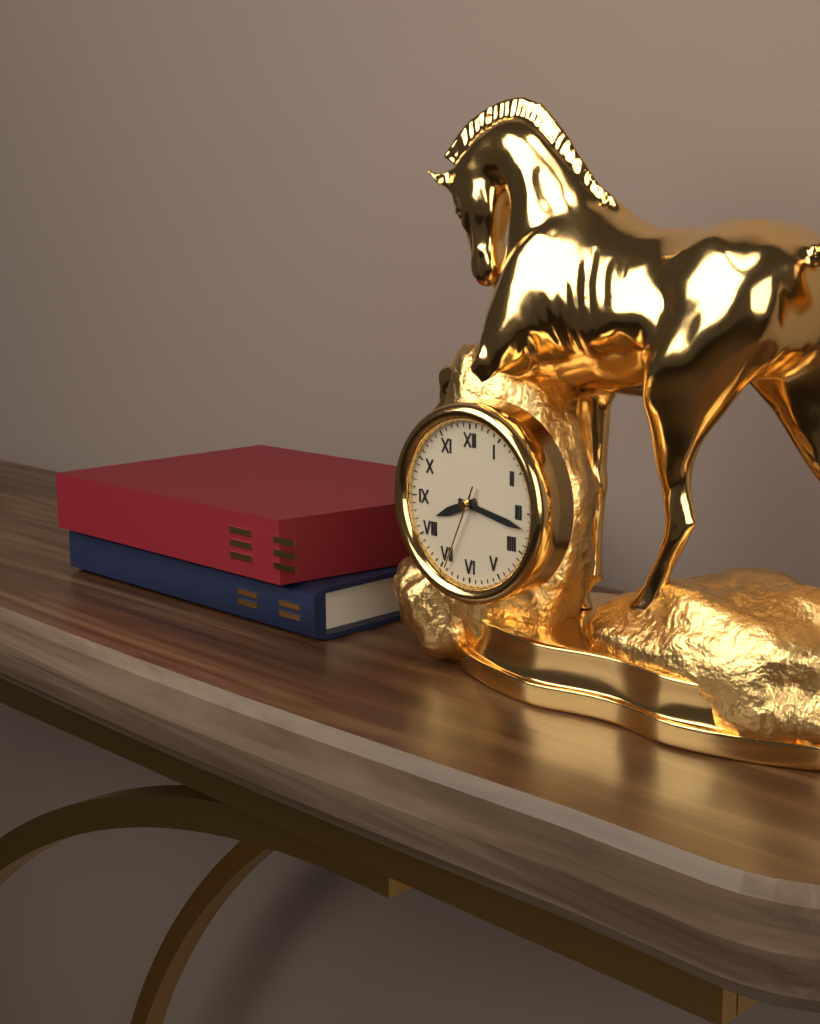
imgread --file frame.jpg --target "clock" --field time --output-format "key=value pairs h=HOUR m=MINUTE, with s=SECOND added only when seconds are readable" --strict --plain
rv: h=8 m=17 s=34
